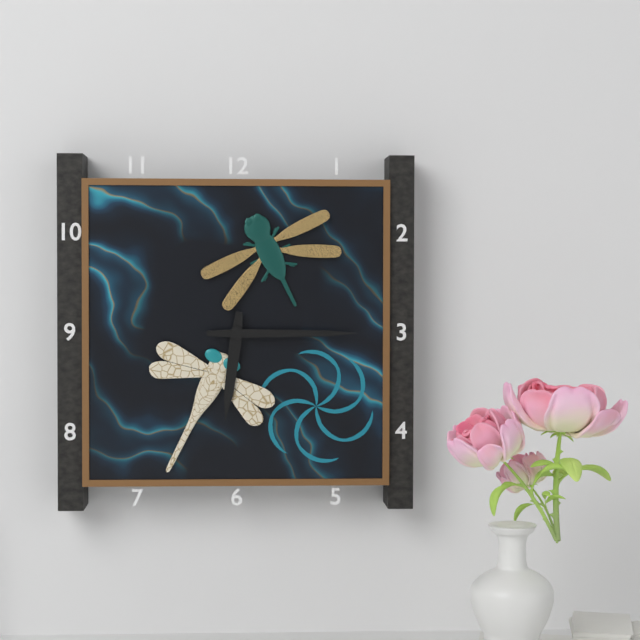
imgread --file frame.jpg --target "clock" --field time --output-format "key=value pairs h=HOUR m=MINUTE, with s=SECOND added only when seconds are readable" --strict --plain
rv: h=6 m=15
